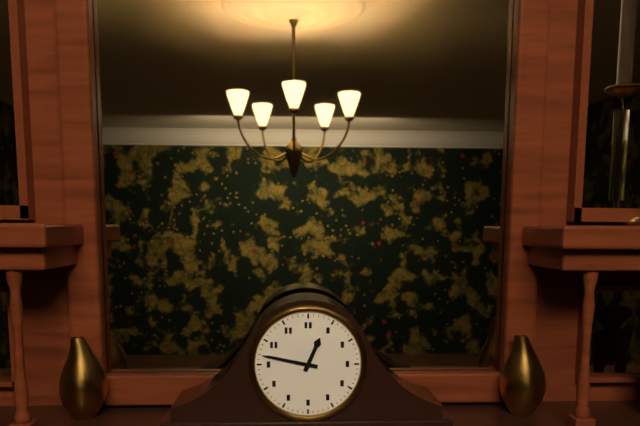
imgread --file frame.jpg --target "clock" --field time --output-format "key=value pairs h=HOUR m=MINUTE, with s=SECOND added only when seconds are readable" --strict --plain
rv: h=12 m=47
